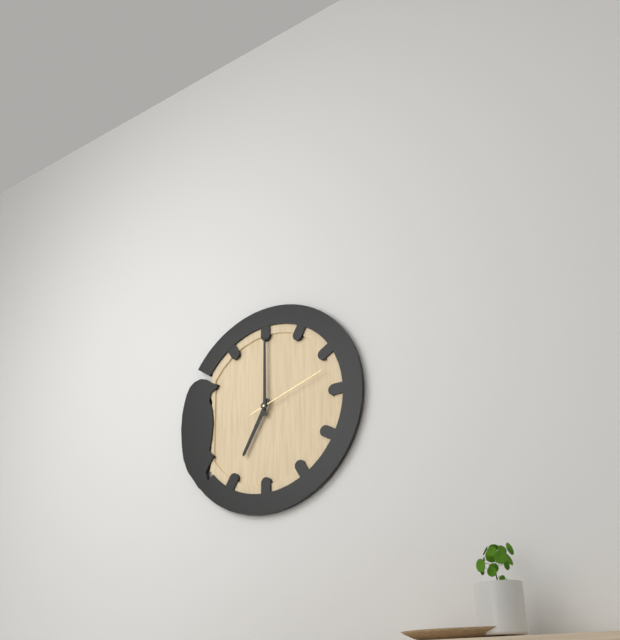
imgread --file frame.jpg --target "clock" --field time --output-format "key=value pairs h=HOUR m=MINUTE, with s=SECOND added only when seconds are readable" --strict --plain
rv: h=7 m=0 s=12
